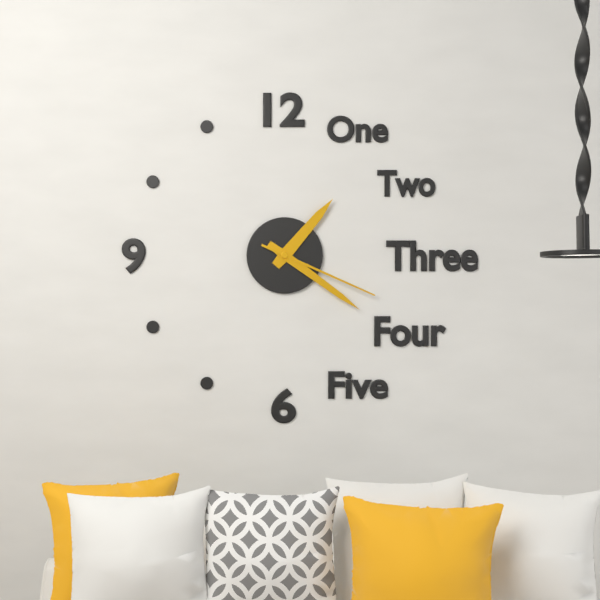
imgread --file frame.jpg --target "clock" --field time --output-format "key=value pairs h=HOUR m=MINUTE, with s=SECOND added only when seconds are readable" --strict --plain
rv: h=1 m=21 s=19
